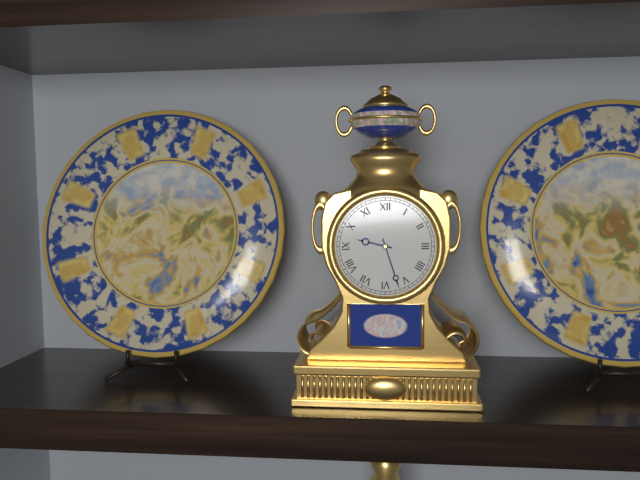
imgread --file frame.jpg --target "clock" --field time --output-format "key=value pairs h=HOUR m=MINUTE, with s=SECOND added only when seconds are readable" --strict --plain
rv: h=9 m=27
